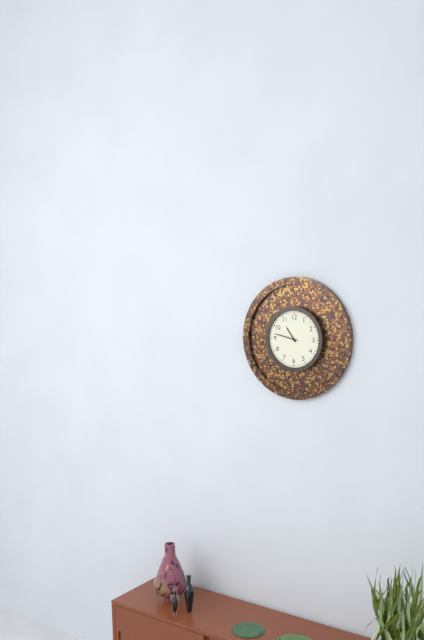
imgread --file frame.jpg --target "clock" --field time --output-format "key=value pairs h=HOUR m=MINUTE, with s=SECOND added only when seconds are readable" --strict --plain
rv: h=10 m=47
